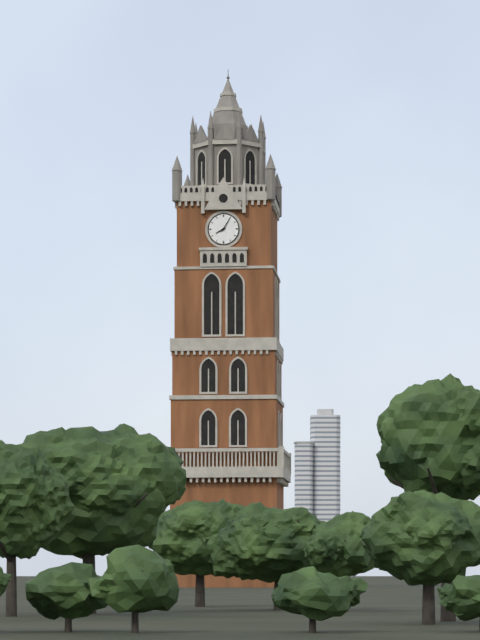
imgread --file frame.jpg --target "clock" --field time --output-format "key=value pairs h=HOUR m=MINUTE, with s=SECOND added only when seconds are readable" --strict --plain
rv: h=8 m=5
